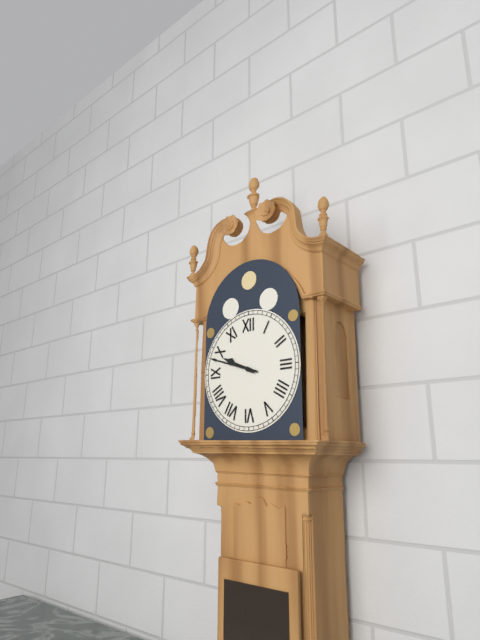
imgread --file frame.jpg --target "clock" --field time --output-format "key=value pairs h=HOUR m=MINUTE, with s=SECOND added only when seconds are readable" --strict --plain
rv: h=9 m=48
